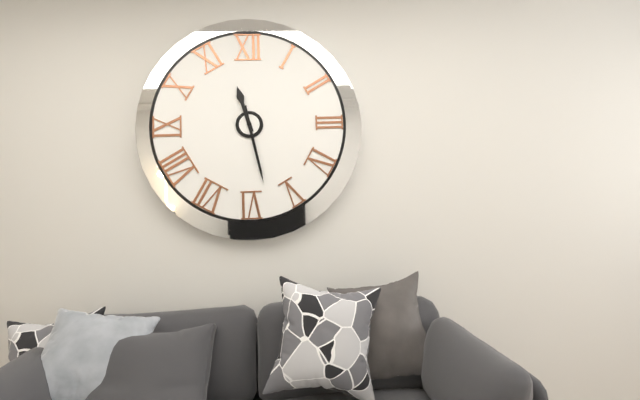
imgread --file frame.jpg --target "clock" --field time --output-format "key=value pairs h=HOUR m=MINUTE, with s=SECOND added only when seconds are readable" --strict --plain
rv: h=11 m=28
